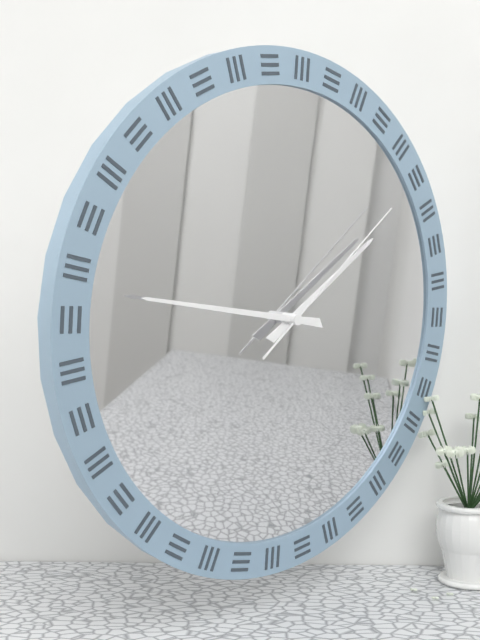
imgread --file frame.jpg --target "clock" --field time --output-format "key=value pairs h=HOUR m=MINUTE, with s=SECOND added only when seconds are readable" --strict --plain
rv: h=1 m=46 s=8
